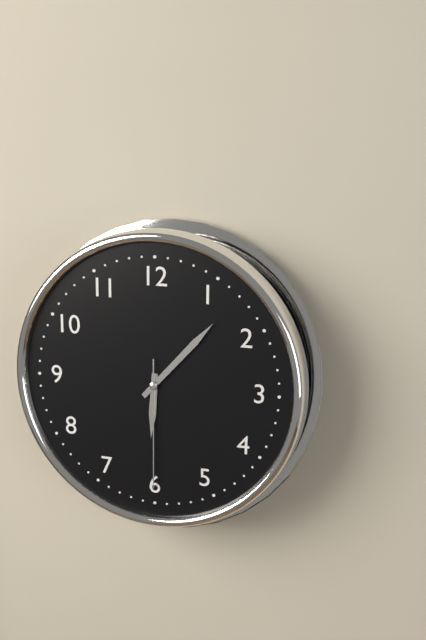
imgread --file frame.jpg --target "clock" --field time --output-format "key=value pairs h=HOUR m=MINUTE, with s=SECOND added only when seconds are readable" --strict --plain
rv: h=6 m=7 s=30
